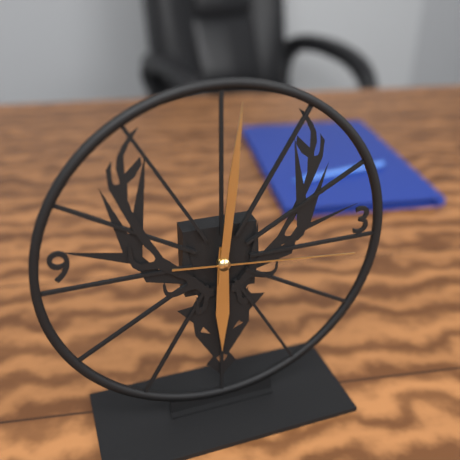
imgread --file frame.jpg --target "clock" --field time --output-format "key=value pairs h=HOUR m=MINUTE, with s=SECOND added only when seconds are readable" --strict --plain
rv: h=6 m=1 s=16
